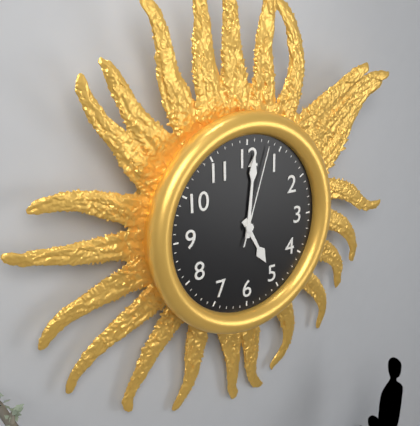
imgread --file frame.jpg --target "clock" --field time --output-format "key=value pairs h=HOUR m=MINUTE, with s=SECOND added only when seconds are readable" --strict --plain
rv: h=5 m=1 s=3
